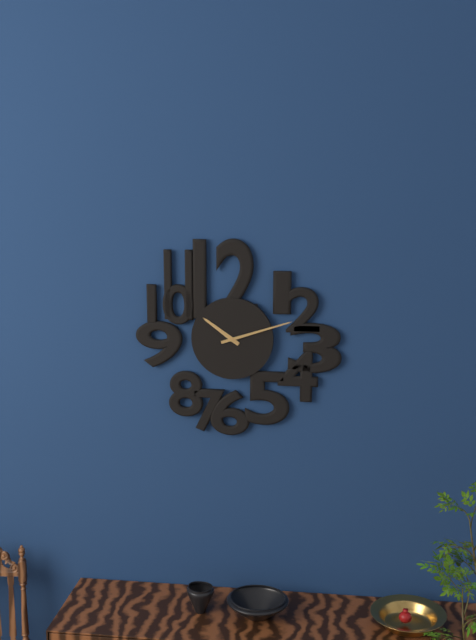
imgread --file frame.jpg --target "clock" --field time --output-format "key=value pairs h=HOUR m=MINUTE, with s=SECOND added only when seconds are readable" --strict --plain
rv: h=10 m=12
